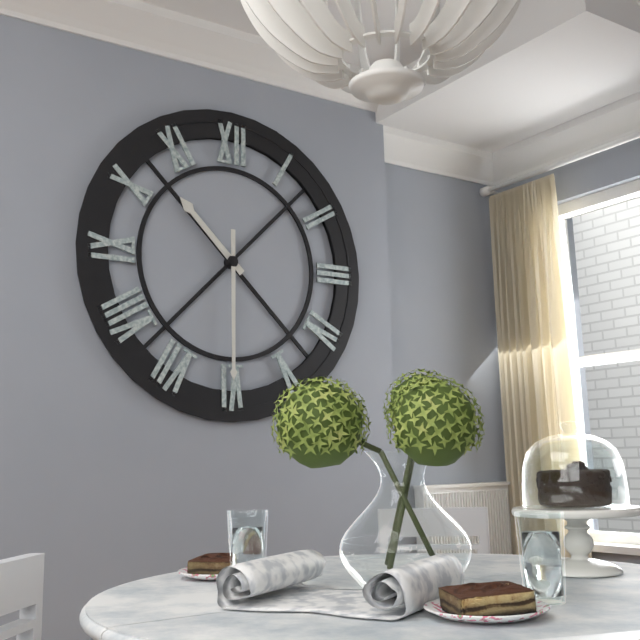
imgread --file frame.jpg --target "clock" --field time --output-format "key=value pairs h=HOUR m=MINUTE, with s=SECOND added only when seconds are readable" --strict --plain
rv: h=10 m=30
